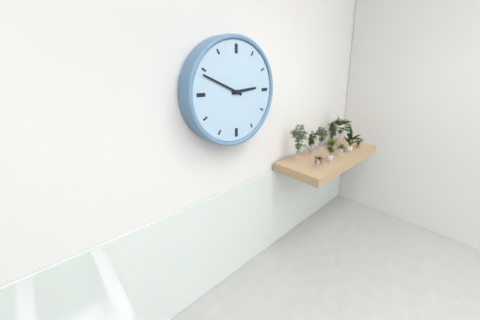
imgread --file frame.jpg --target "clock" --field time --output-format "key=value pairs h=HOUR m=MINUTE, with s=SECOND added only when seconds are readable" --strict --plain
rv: h=2 m=49
